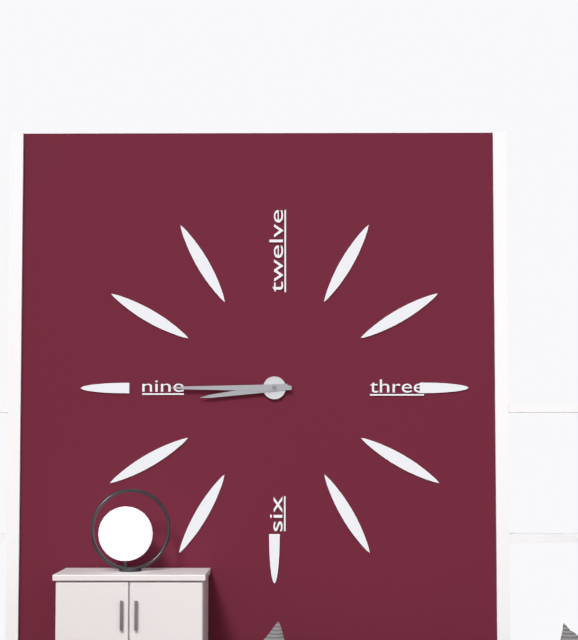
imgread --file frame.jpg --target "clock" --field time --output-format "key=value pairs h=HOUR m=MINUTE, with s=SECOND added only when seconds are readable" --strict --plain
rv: h=8 m=45
